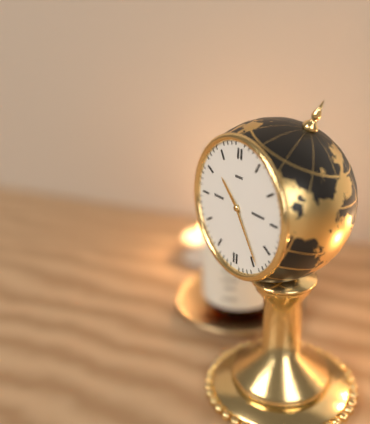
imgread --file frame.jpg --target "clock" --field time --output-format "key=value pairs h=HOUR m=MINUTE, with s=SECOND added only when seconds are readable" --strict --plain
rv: h=10 m=24
